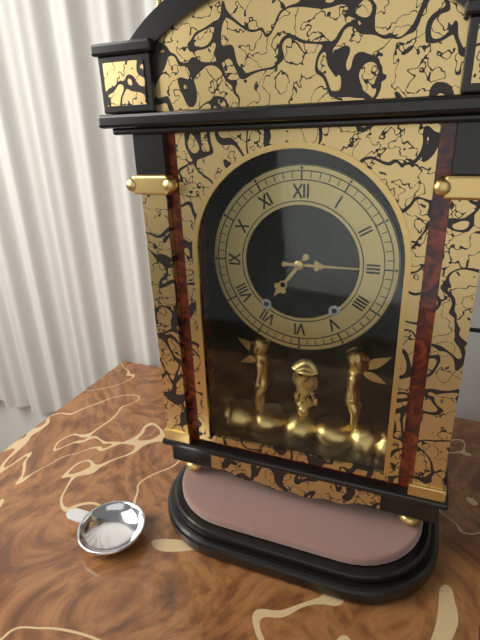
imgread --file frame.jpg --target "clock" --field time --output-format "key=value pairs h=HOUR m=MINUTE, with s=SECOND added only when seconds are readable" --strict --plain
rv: h=7 m=15
